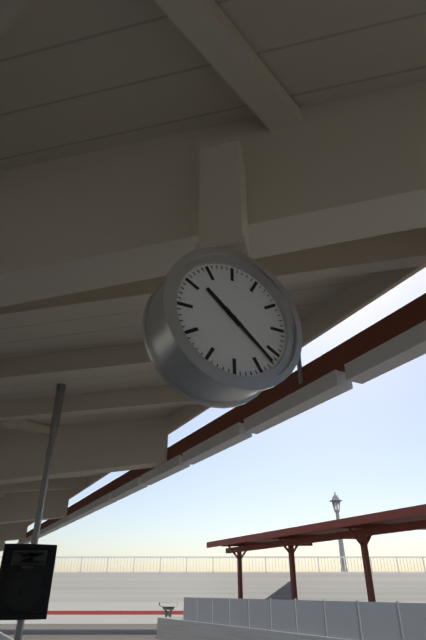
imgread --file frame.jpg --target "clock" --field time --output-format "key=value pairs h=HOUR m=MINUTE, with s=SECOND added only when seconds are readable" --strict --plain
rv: h=10 m=22
